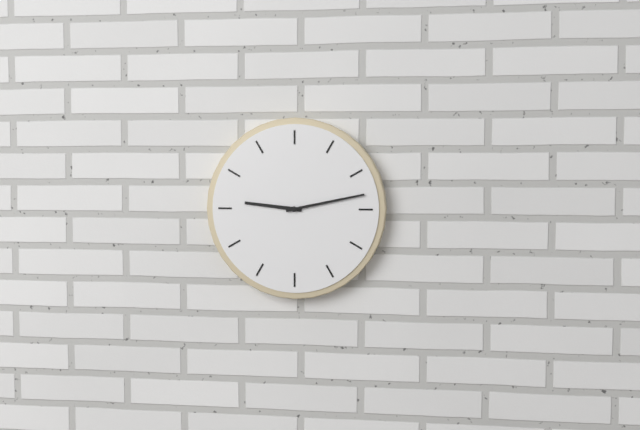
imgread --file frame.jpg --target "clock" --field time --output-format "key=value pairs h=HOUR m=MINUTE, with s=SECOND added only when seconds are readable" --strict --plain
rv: h=9 m=13
